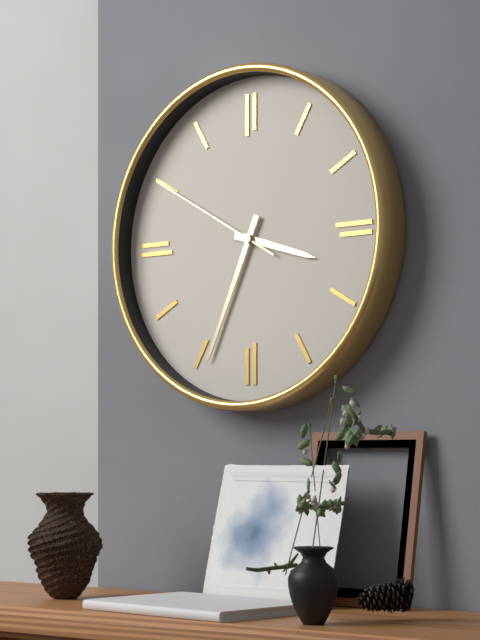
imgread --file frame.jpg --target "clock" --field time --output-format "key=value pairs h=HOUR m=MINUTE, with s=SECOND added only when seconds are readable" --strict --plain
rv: h=3 m=34 s=50
